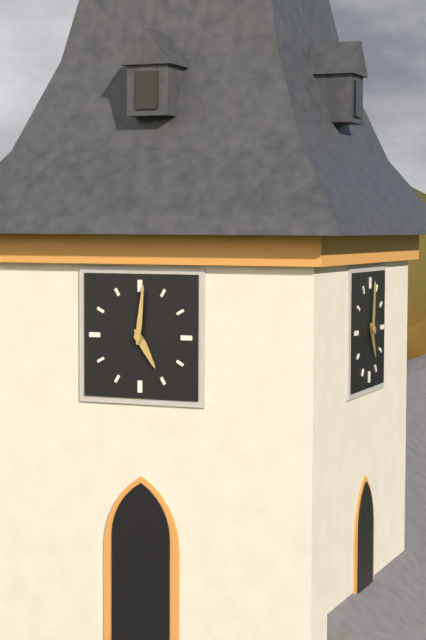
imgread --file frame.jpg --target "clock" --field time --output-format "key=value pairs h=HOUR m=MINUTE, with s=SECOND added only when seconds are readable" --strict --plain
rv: h=5 m=1
